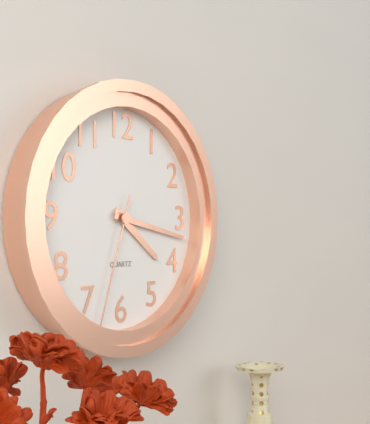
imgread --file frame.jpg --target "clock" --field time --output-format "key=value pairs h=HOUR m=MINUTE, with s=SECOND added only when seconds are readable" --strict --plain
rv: h=4 m=17 s=33
